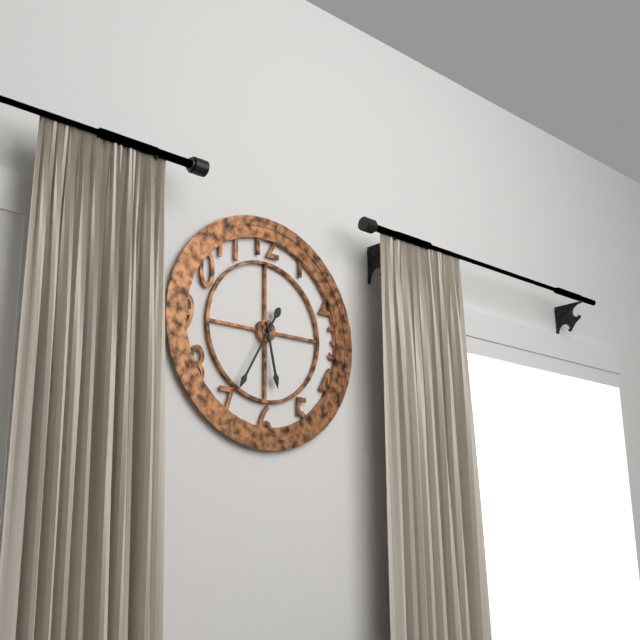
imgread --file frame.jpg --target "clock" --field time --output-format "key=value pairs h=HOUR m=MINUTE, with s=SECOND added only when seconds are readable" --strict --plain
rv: h=5 m=35
